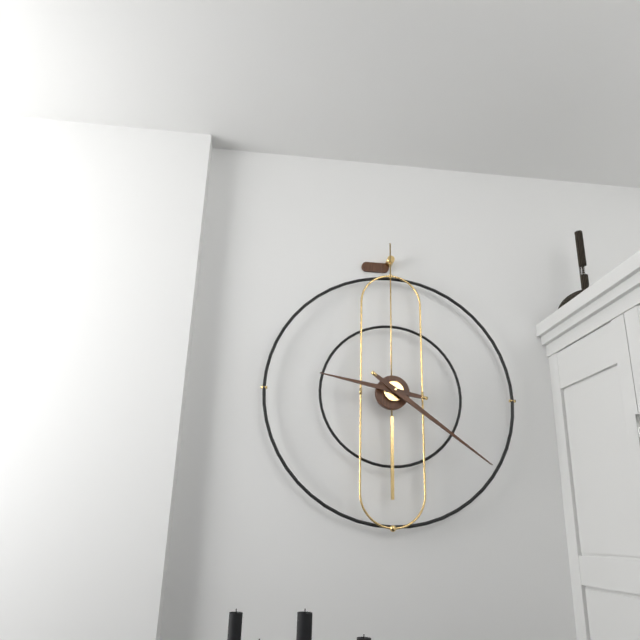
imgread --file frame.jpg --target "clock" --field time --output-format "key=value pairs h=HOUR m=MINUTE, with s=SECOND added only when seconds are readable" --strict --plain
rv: h=9 m=21
